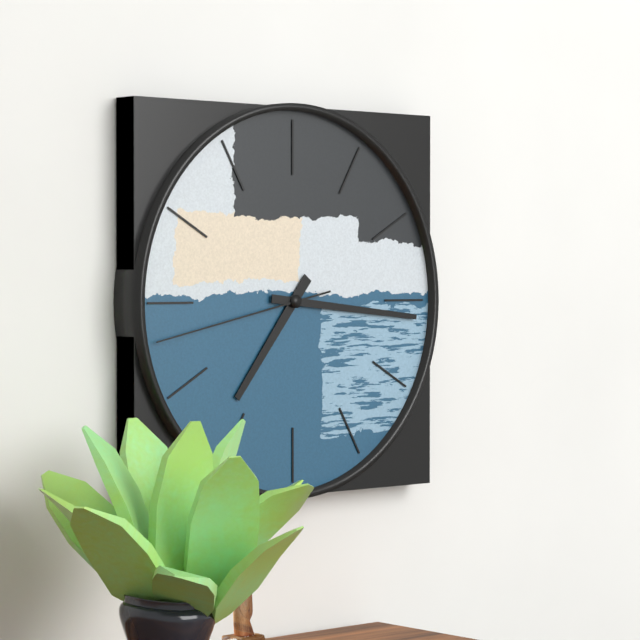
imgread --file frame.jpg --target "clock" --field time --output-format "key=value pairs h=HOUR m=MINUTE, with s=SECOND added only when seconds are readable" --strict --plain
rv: h=7 m=16 s=43
